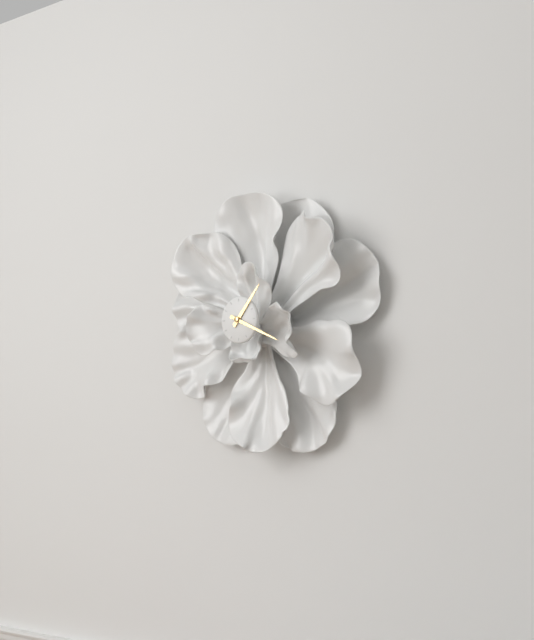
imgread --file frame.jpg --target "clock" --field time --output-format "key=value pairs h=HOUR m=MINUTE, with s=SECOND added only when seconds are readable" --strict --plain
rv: h=1 m=19
